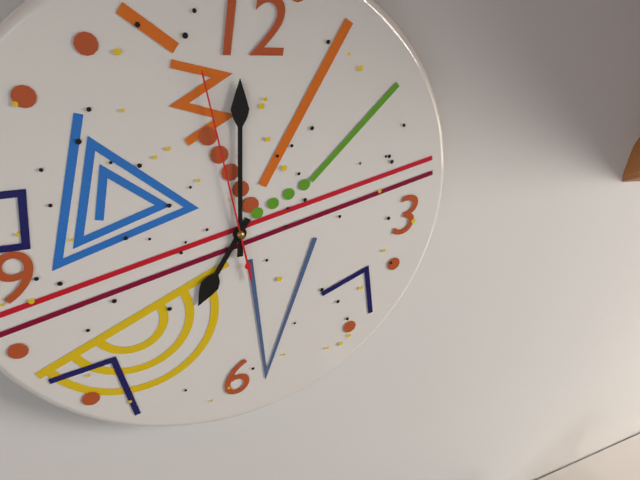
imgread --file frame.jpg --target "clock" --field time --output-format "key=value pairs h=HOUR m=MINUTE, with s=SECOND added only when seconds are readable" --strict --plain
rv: h=7 m=0 s=58
